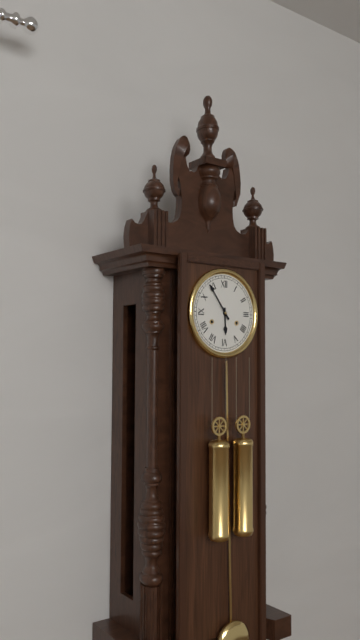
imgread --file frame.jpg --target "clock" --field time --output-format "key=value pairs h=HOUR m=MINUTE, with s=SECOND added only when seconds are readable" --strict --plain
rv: h=5 m=54
